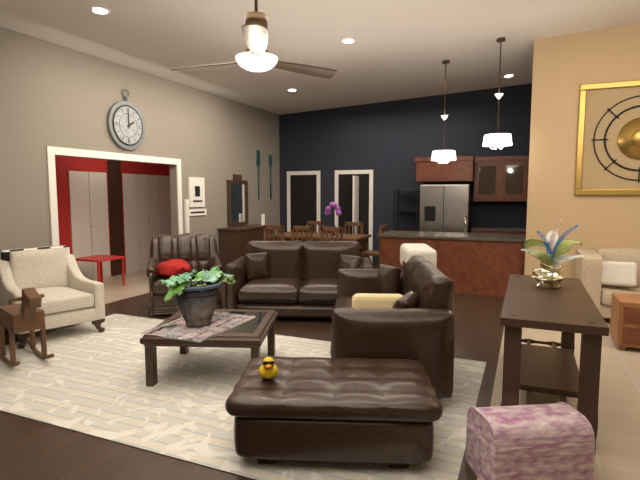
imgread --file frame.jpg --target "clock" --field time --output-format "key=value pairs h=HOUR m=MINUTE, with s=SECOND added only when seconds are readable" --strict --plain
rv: h=2 m=0
